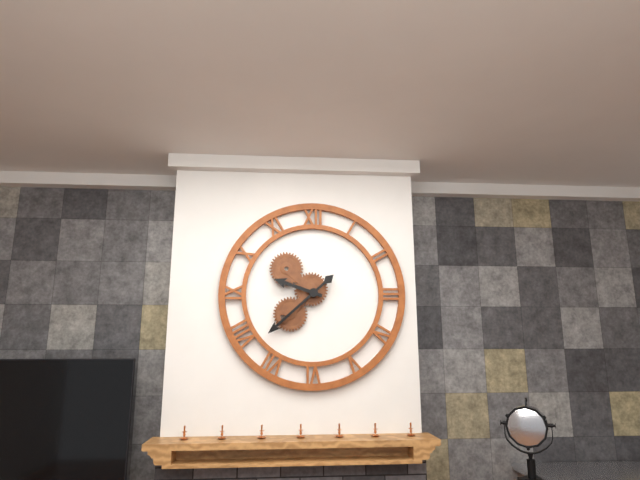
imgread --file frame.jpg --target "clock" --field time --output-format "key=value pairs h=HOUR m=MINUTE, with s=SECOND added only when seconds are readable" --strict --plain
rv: h=9 m=38
